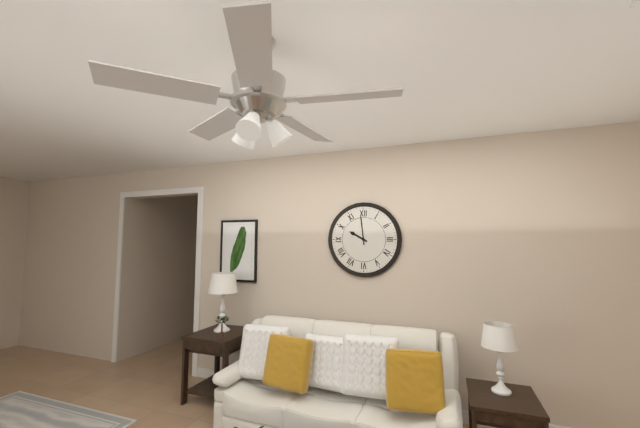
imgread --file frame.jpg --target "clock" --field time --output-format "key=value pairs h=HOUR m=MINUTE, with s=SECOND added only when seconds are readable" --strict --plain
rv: h=9 m=59
